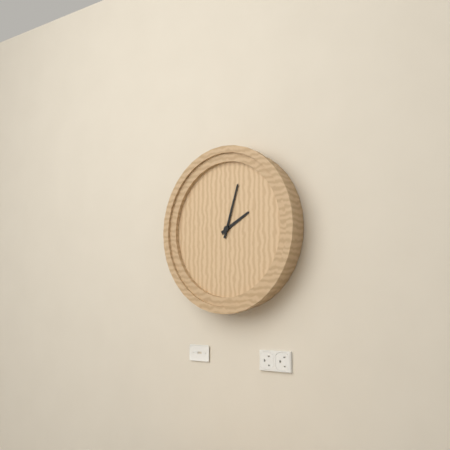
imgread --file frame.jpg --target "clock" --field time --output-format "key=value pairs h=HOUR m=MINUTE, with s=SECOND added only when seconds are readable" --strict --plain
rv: h=2 m=3
